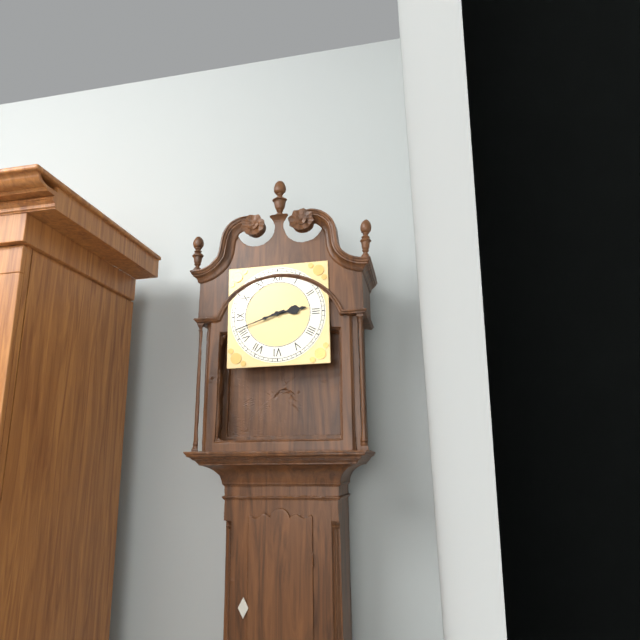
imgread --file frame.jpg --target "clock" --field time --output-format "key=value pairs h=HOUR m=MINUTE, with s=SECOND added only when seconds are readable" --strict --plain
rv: h=2 m=42
